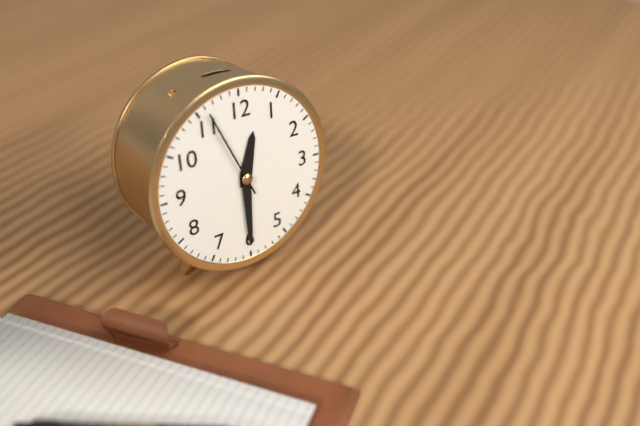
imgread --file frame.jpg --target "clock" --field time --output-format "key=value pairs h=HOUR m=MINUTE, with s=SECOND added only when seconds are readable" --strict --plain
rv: h=12 m=30 s=56
